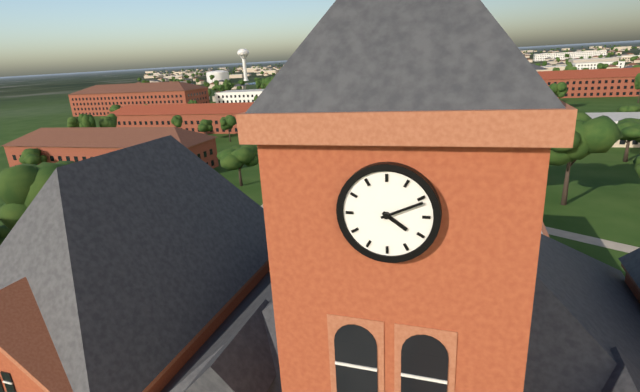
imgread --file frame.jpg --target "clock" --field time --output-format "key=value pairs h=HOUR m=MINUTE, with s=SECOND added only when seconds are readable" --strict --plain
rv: h=4 m=11
